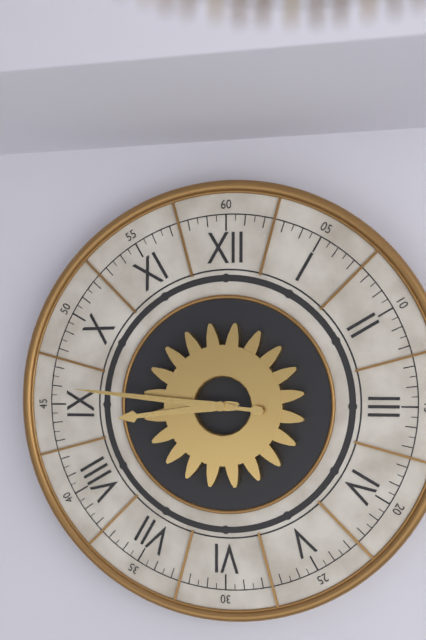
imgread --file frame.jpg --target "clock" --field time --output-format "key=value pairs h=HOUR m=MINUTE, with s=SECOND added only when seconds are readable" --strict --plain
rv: h=8 m=46
